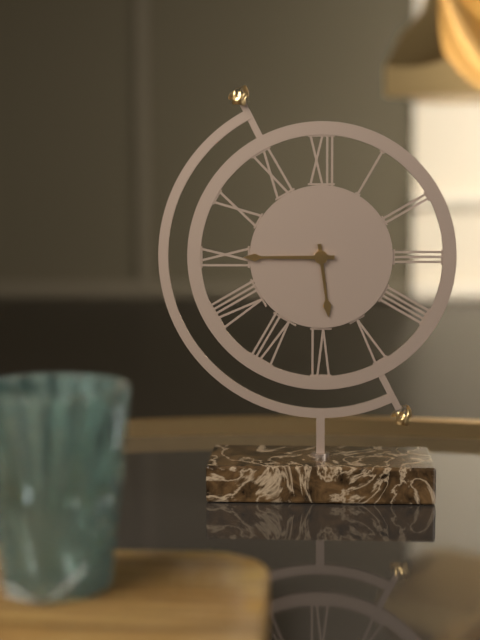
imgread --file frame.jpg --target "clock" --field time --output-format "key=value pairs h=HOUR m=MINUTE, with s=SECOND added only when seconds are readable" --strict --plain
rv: h=5 m=45
